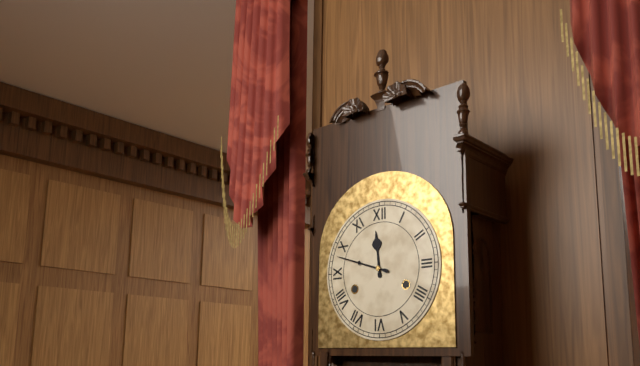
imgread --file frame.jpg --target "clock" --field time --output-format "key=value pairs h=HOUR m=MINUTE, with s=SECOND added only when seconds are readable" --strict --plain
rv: h=11 m=48
